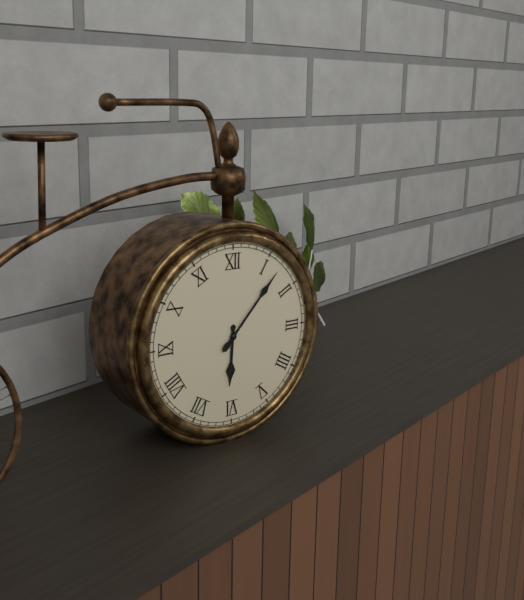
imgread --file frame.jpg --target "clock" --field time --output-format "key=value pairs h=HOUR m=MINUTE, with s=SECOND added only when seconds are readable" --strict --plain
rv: h=6 m=7
